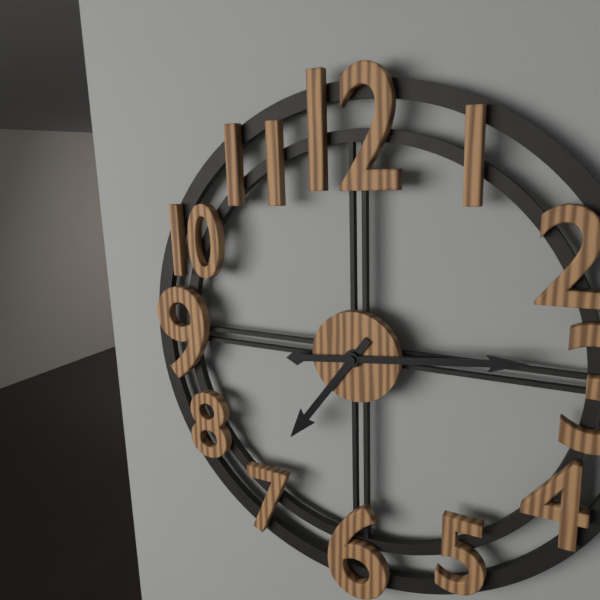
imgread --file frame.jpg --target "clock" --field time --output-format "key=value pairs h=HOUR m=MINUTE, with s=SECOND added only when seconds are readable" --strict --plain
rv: h=7 m=14
